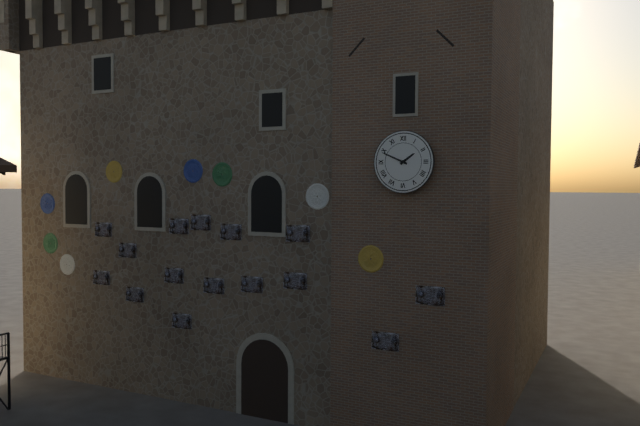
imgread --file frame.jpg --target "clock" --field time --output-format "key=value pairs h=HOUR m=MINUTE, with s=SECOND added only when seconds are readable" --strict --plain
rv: h=1 m=49
